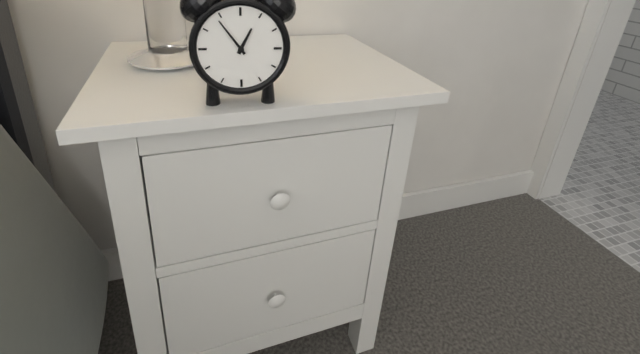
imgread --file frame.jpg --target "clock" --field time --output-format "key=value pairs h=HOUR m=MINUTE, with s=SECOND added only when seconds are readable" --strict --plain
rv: h=12 m=54
